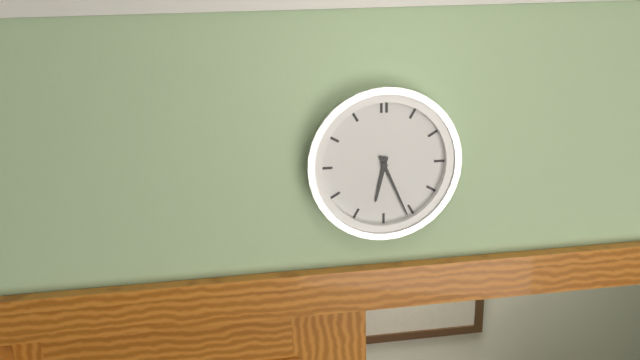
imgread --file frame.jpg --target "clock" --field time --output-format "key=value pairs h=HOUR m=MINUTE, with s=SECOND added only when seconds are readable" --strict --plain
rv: h=6 m=26
